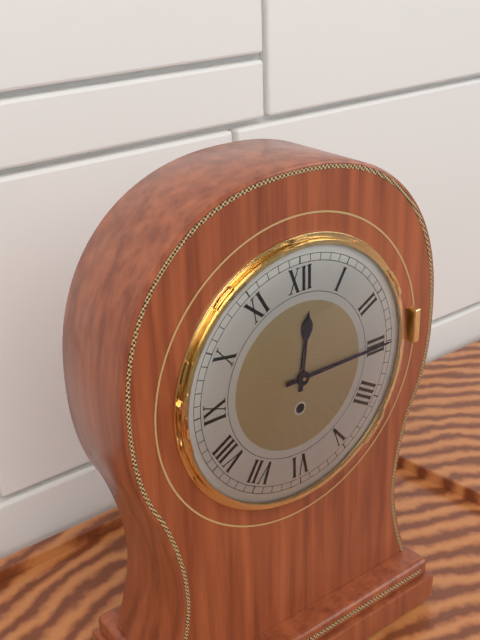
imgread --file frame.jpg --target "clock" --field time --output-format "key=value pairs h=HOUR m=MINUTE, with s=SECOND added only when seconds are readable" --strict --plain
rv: h=12 m=15
